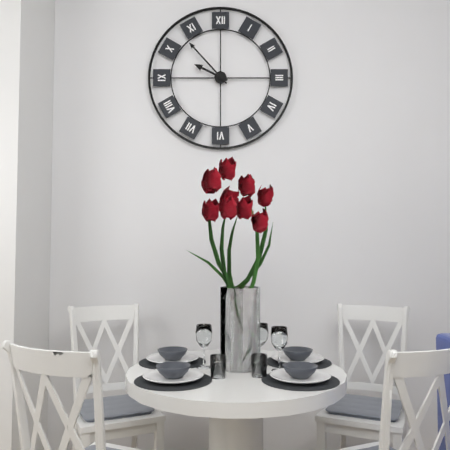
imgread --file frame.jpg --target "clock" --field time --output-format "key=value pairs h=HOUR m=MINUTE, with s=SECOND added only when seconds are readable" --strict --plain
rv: h=9 m=53
